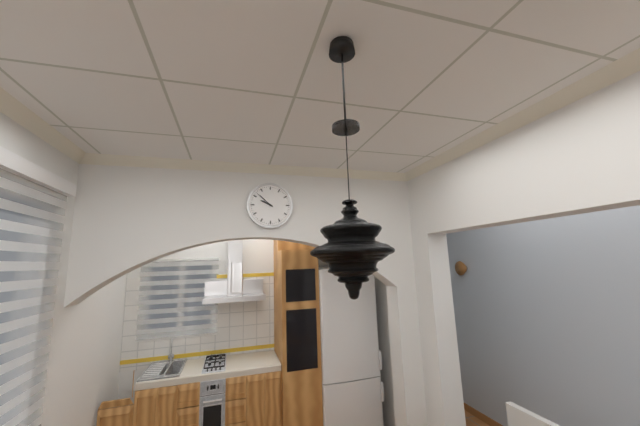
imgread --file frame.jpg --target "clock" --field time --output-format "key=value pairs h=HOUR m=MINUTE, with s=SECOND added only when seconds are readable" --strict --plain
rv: h=9 m=52
